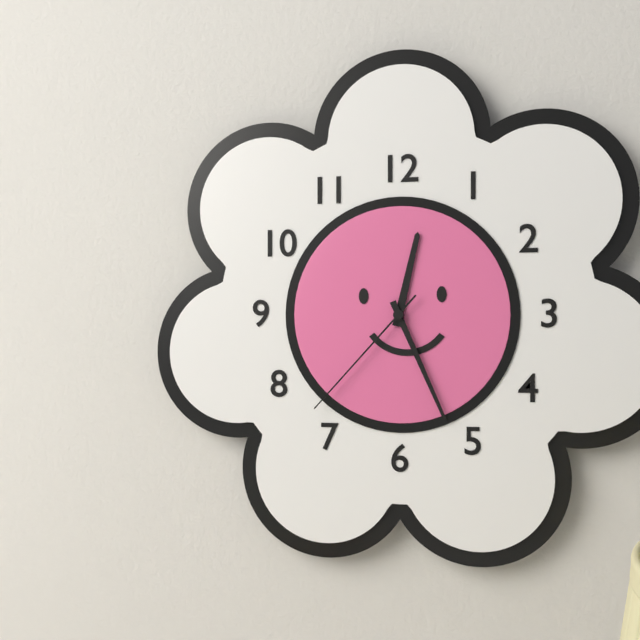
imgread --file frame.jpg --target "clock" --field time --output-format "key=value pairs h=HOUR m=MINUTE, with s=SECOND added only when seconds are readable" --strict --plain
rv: h=12 m=26 s=37
